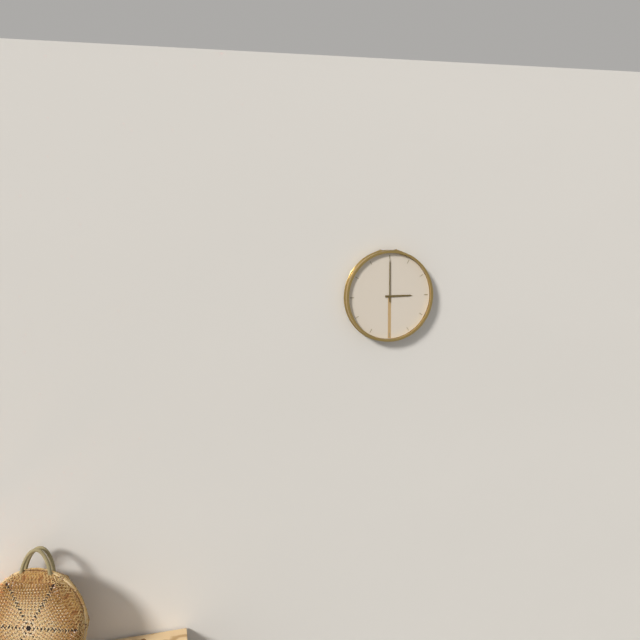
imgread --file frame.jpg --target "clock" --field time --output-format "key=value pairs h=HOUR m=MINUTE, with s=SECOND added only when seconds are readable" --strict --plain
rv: h=3 m=0
